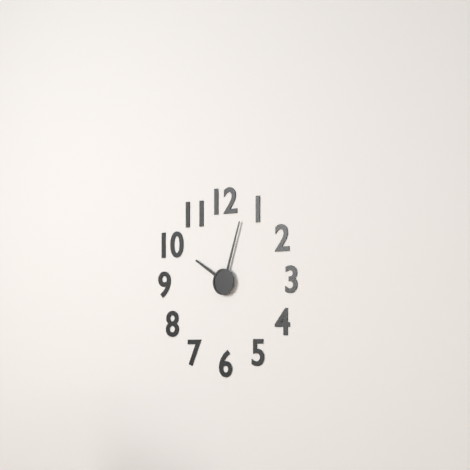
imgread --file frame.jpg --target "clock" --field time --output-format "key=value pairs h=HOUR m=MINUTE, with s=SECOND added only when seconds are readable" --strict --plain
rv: h=10 m=3
